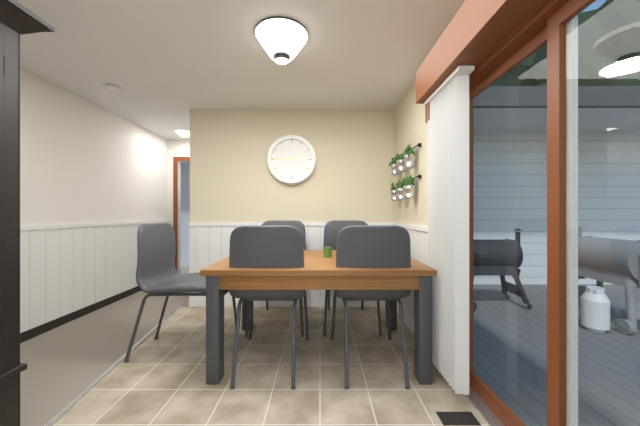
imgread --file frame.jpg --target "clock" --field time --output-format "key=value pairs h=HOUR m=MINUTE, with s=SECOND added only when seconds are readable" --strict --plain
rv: h=2 m=45
